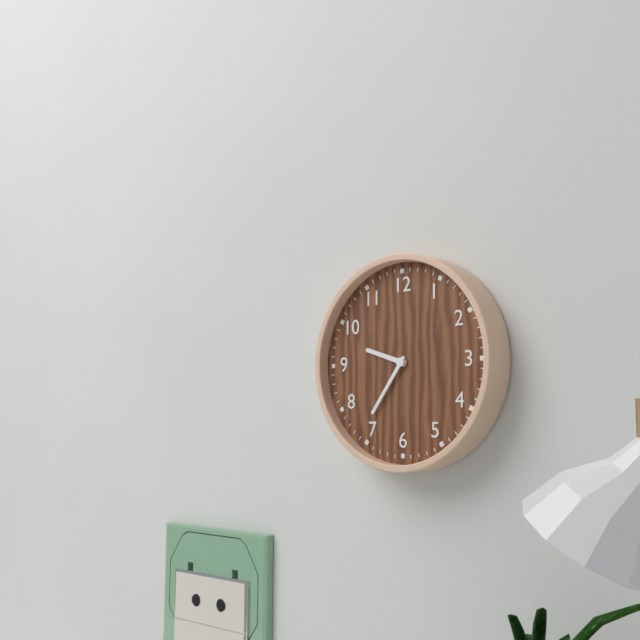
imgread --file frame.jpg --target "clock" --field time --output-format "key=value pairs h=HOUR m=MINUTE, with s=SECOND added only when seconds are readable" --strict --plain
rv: h=9 m=36
